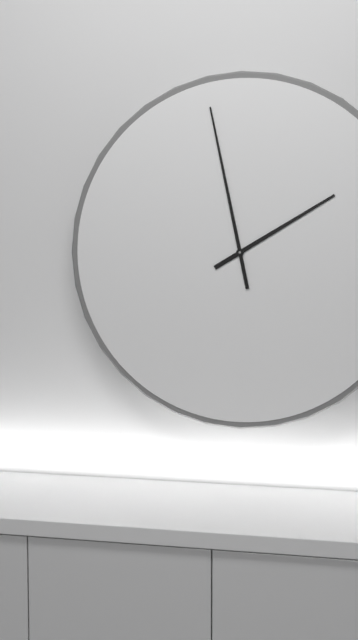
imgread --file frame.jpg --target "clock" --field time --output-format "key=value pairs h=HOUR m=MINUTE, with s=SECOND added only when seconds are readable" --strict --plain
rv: h=1 m=58
